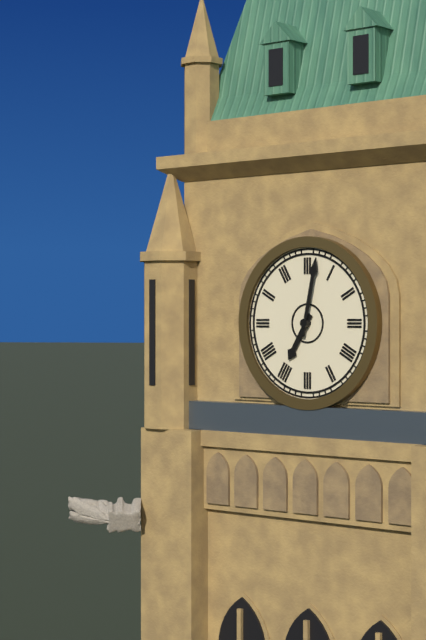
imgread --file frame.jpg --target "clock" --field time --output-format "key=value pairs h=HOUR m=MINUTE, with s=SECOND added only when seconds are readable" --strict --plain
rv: h=7 m=2
